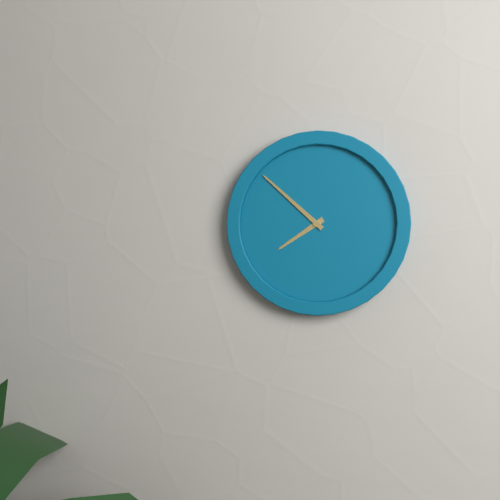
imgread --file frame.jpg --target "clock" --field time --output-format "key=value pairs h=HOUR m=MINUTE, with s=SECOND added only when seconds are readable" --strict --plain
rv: h=7 m=52
